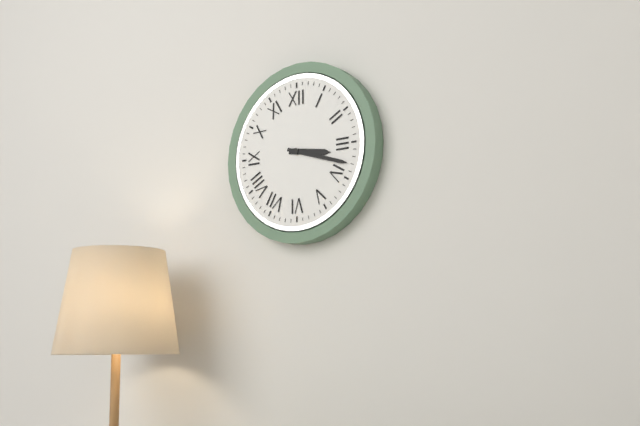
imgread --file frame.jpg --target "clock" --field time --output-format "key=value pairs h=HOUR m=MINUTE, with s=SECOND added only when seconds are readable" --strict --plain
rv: h=3 m=18
